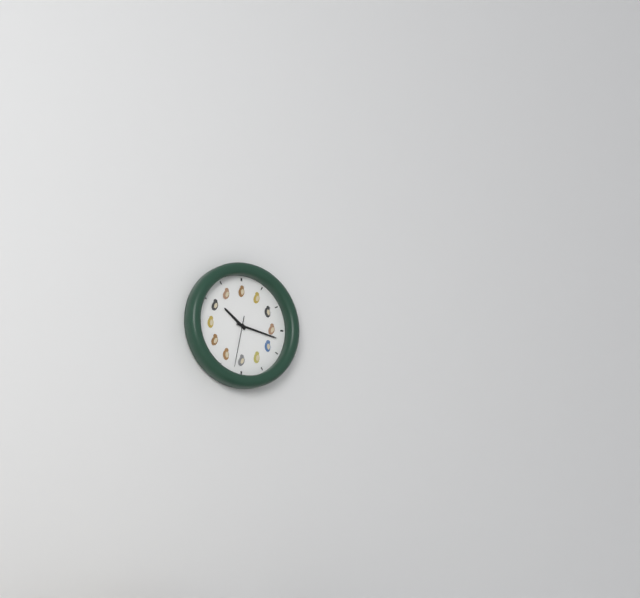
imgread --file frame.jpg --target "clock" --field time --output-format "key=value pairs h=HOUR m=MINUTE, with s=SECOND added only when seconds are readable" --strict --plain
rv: h=10 m=17 s=32
